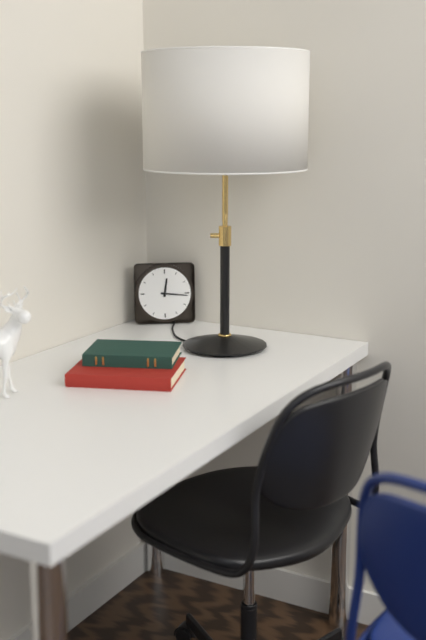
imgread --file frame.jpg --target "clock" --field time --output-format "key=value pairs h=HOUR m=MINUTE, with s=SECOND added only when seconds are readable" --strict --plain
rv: h=12 m=16
